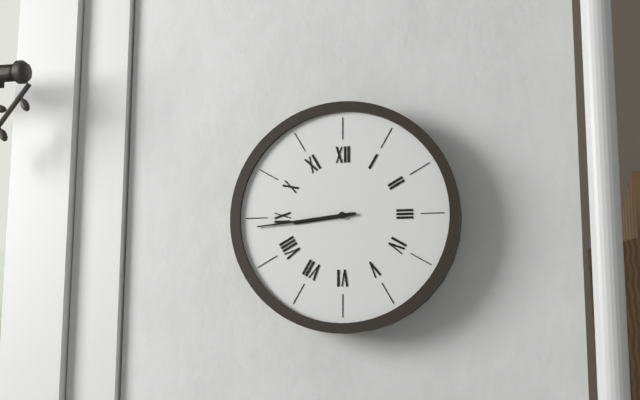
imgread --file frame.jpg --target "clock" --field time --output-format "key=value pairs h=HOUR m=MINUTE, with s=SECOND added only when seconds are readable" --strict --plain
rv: h=8 m=44
